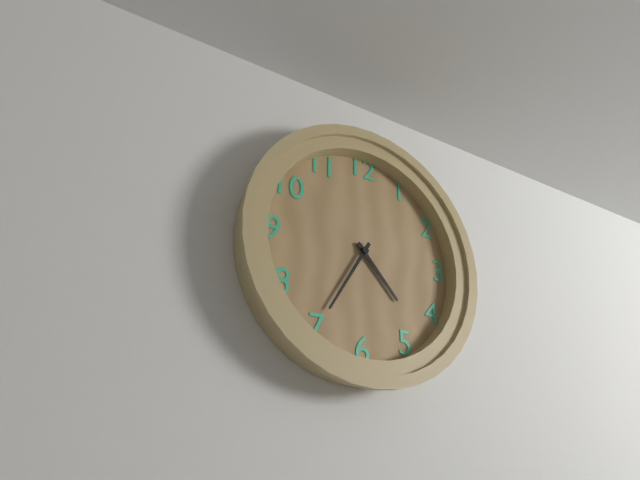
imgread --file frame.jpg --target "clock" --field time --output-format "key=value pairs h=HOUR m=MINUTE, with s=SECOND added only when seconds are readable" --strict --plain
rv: h=4 m=35
